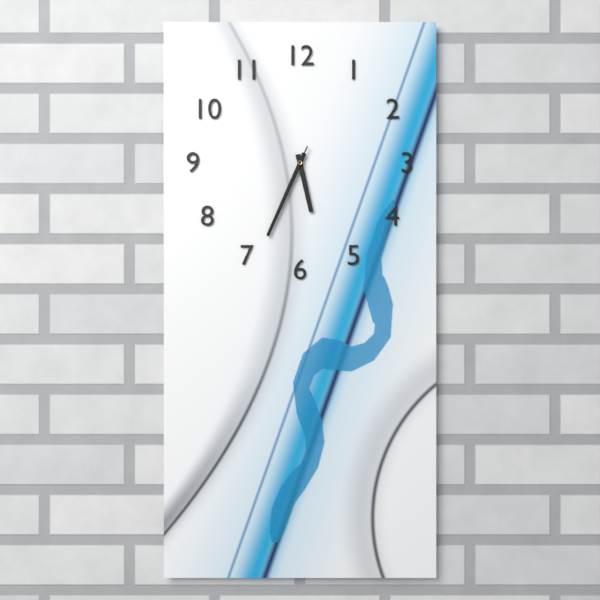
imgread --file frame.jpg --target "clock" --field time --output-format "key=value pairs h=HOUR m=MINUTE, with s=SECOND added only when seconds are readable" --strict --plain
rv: h=5 m=34 s=34
